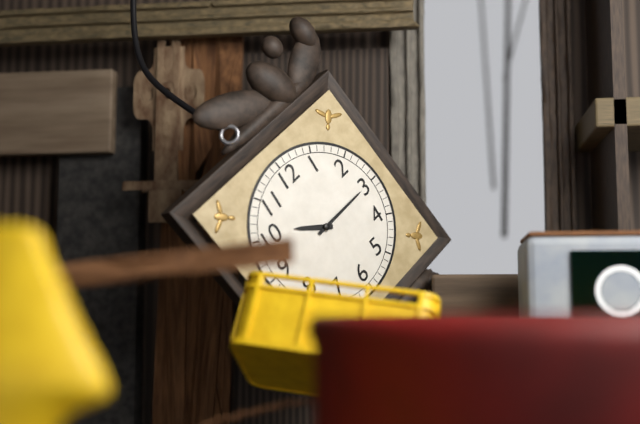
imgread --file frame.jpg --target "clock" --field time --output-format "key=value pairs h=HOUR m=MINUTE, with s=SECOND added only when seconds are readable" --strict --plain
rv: h=10 m=15
